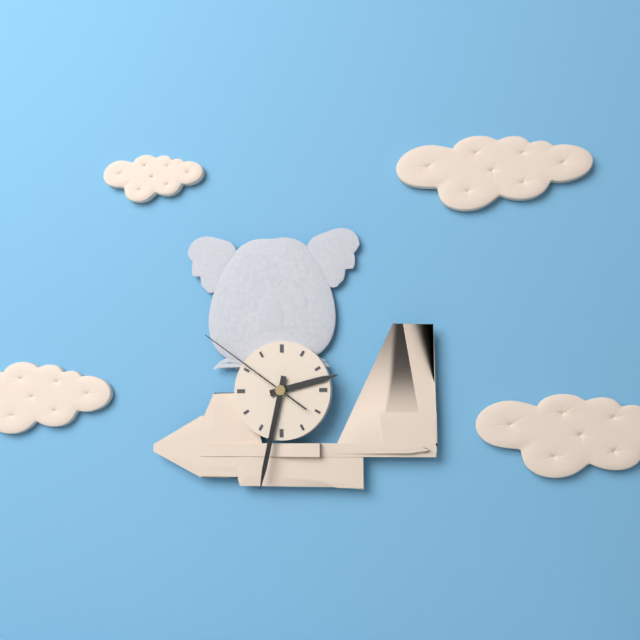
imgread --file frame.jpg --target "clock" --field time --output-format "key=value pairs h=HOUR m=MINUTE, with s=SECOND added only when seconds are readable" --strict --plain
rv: h=2 m=32 s=51
